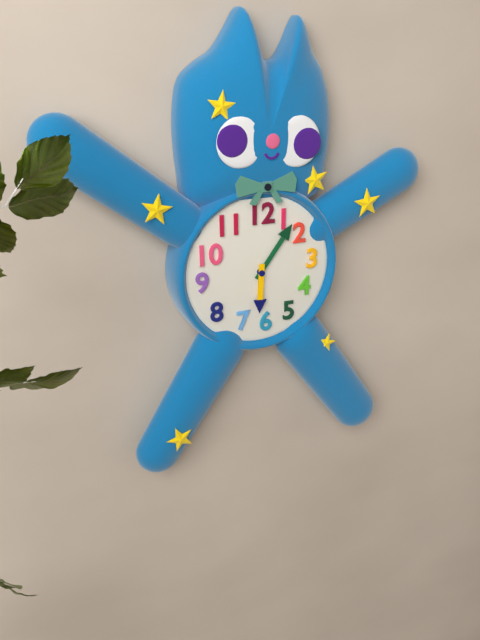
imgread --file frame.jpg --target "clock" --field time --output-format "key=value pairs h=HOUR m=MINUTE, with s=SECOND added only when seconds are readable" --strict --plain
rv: h=6 m=6
